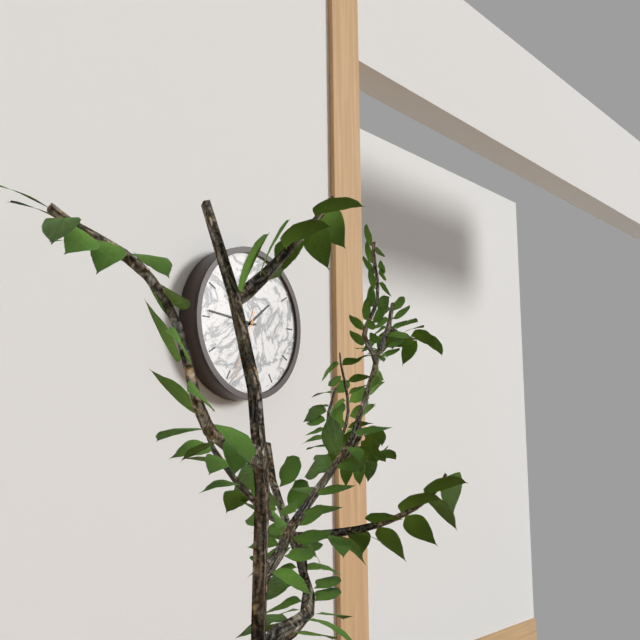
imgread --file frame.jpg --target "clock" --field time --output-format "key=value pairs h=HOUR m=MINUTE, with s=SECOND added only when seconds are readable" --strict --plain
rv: h=1 m=46 s=34
